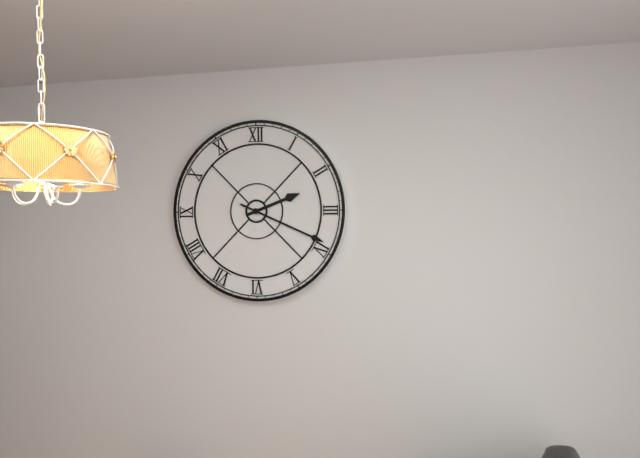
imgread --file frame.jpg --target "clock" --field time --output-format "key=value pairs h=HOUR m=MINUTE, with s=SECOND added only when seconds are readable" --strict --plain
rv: h=2 m=19
